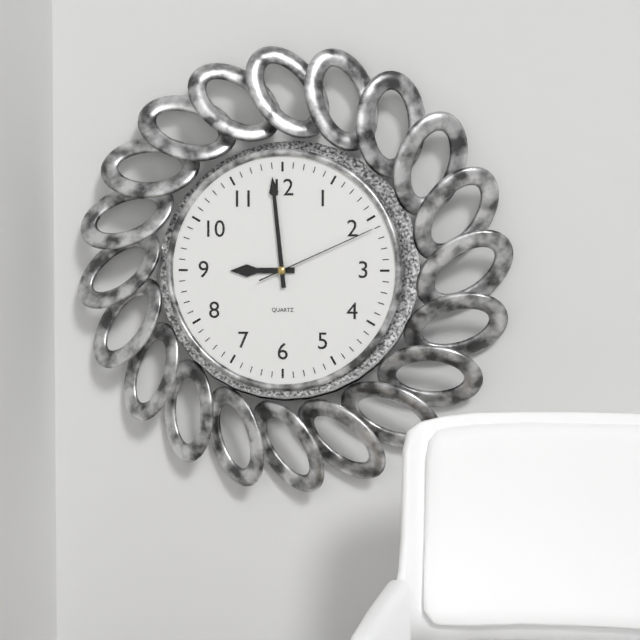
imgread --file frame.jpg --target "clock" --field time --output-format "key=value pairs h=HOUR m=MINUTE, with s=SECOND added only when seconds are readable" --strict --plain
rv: h=8 m=59 s=11
